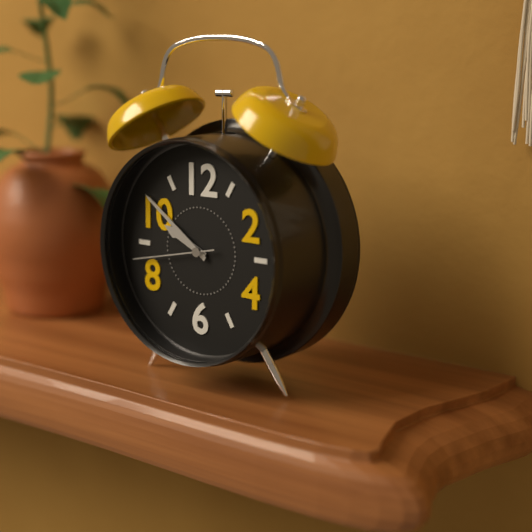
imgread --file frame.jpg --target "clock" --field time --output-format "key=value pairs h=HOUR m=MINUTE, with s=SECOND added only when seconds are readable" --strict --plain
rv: h=9 m=51 s=43
